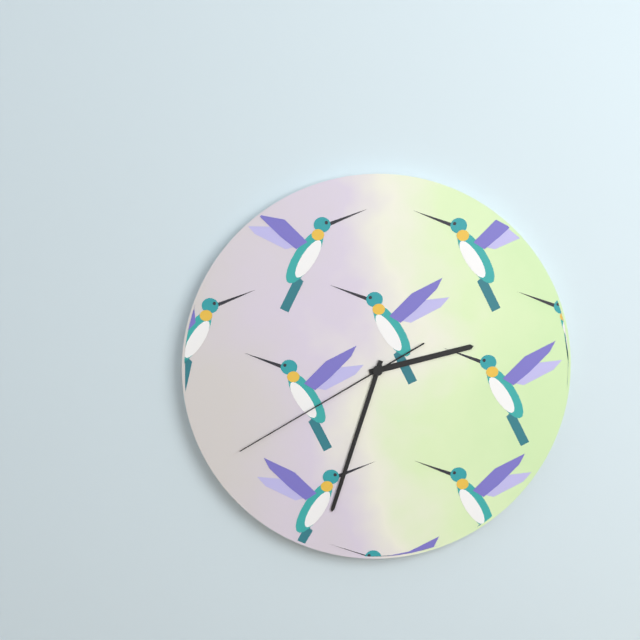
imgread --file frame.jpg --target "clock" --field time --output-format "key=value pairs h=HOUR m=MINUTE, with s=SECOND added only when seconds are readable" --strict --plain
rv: h=2 m=33 s=40
